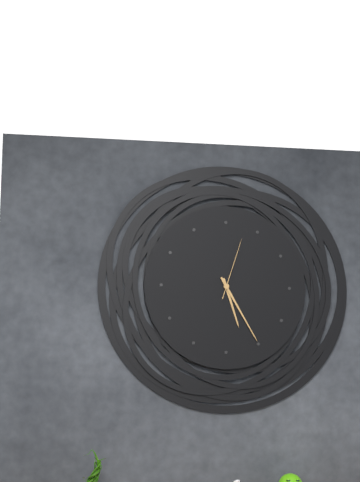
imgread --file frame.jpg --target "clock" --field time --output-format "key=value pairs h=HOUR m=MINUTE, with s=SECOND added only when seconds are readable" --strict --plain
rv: h=5 m=25 s=3
